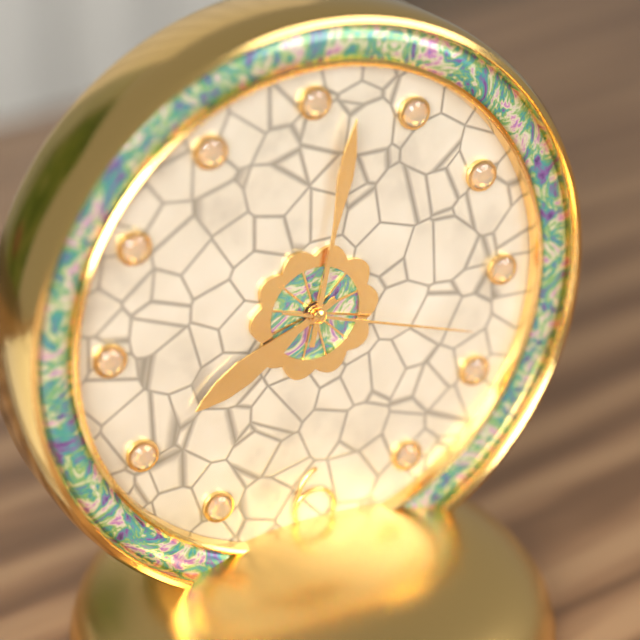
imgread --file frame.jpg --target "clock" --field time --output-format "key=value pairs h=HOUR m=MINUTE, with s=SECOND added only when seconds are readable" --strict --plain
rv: h=8 m=2 s=18
